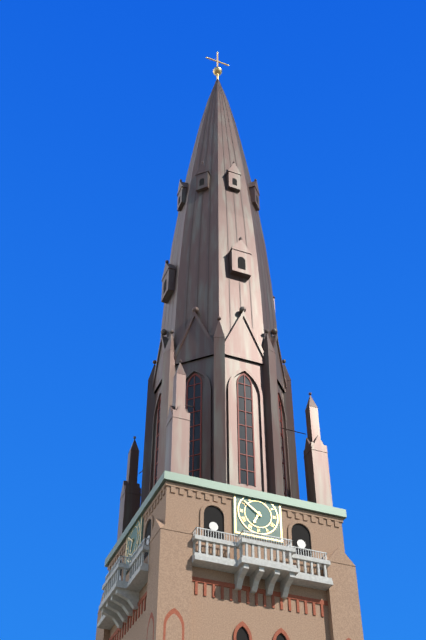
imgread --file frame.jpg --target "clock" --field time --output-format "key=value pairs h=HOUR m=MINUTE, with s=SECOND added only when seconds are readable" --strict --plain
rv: h=6 m=51
